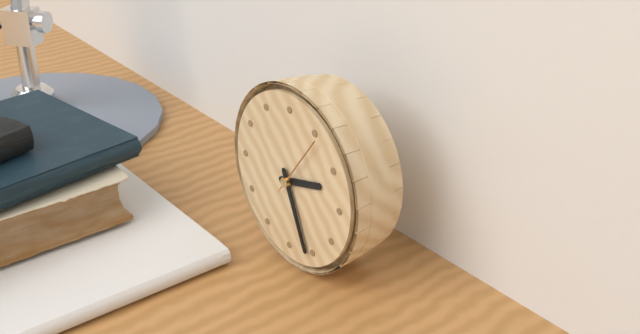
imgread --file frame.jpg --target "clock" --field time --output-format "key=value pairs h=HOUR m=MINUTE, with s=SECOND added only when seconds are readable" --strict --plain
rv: h=2 m=26 s=6
